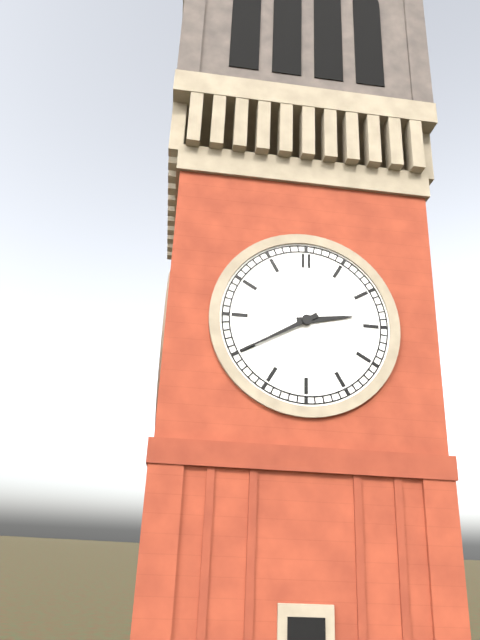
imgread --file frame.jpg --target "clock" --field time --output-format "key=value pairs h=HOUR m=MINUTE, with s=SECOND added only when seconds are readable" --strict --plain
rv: h=2 m=40
